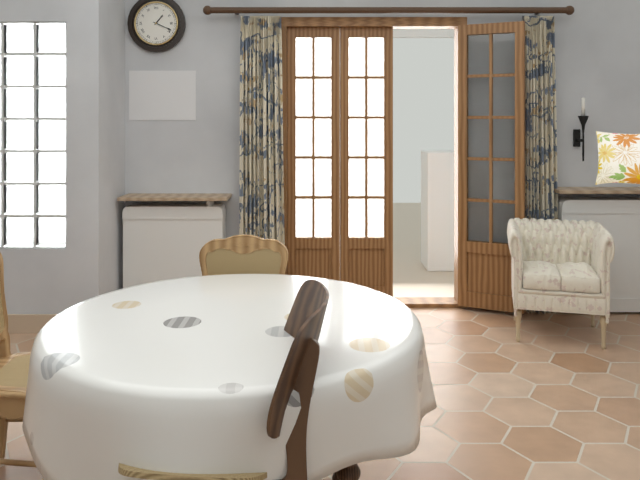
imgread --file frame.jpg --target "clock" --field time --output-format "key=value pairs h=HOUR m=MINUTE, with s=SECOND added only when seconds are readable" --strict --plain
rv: h=1 m=19
